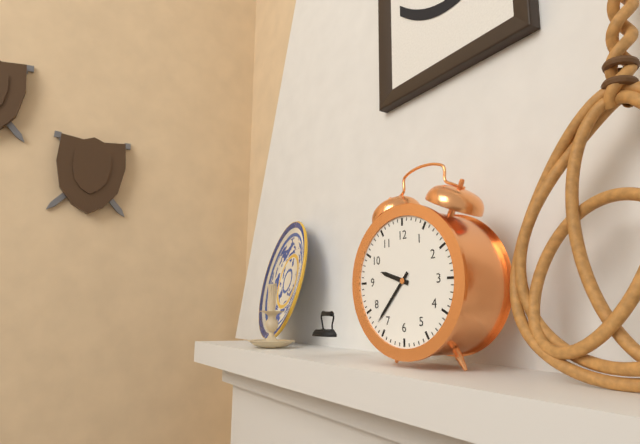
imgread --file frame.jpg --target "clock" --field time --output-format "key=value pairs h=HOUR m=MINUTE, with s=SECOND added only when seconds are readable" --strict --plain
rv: h=9 m=37
